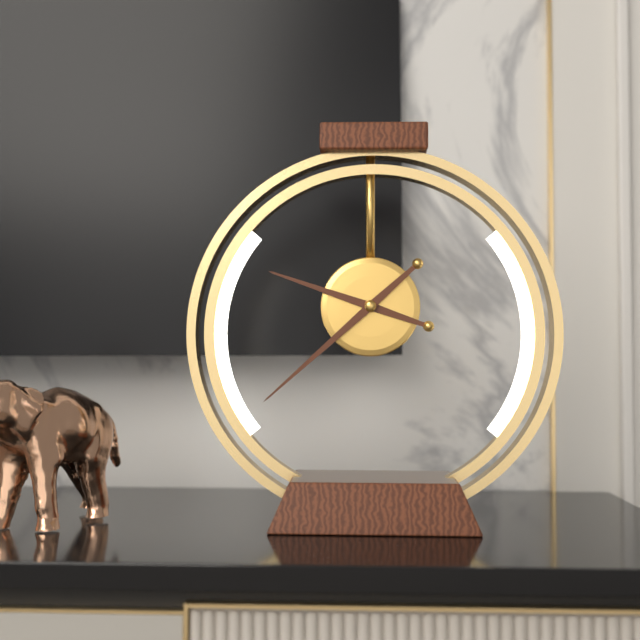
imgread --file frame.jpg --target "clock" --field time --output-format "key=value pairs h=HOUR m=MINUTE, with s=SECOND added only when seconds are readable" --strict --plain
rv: h=9 m=38
